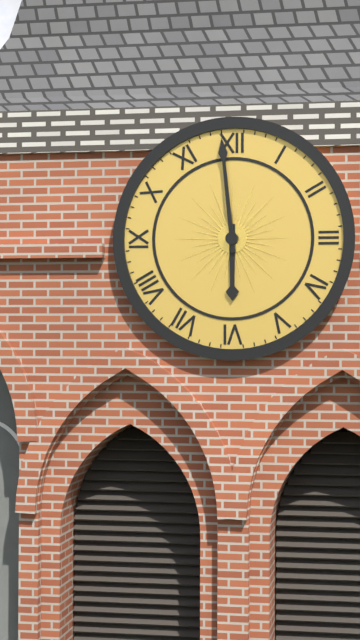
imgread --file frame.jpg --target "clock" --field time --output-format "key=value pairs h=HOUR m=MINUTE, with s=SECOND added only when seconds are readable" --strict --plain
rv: h=5 m=59
